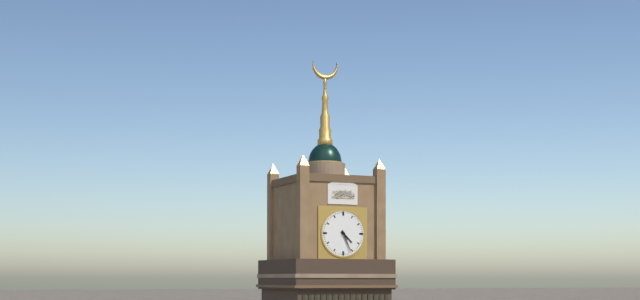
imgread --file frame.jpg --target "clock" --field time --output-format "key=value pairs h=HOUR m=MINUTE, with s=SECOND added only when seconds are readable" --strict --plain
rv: h=4 m=26
